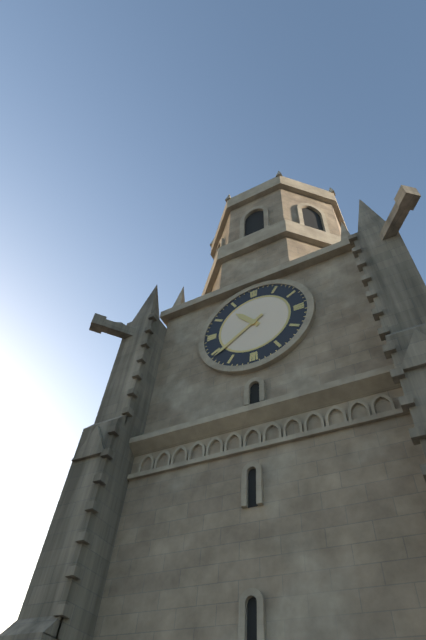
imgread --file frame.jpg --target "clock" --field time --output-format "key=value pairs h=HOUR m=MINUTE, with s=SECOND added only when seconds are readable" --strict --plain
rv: h=10 m=39
